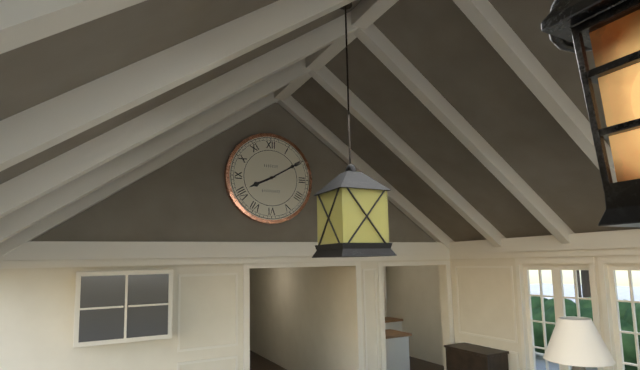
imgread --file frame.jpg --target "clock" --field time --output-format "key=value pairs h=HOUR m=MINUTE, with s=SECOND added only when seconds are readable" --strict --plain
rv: h=8 m=10
